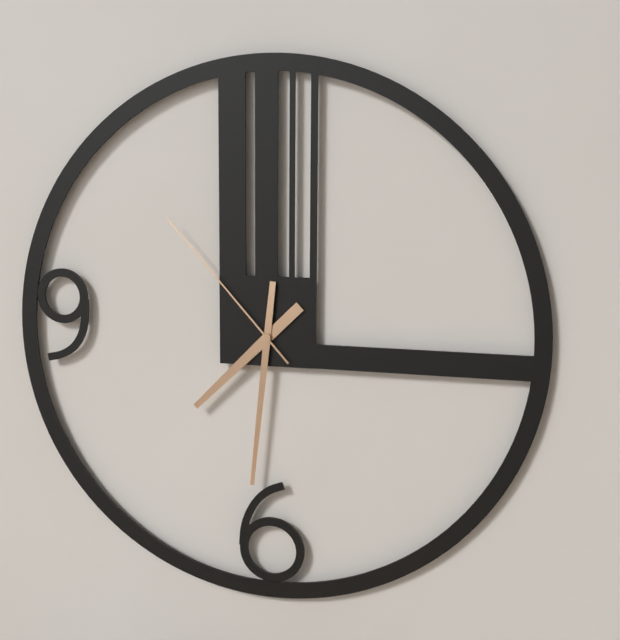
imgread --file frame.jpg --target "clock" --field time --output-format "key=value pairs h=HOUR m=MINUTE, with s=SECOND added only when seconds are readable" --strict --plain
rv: h=7 m=31 s=53
